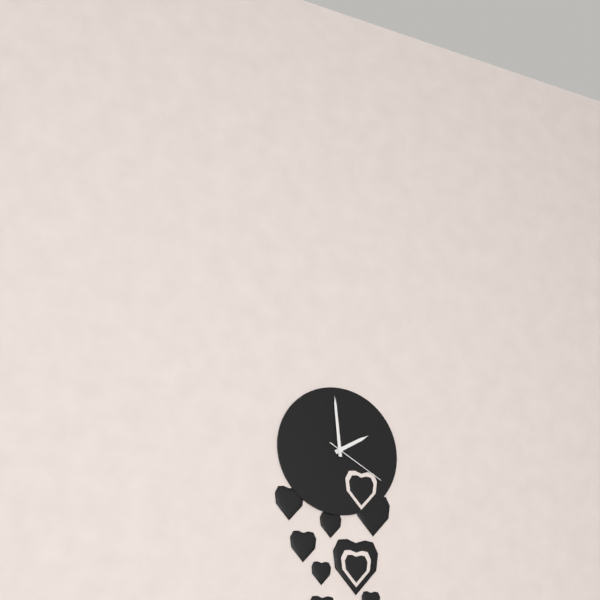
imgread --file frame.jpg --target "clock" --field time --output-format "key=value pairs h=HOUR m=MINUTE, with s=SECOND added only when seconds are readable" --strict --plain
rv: h=1 m=59 s=20
